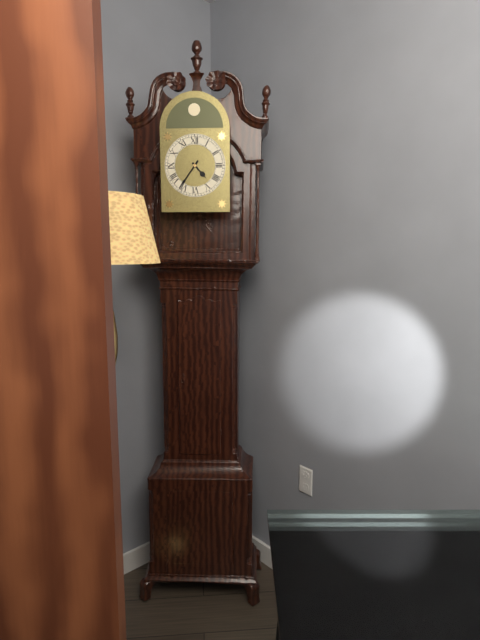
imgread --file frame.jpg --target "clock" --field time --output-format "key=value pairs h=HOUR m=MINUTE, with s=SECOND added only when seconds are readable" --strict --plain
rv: h=4 m=36
